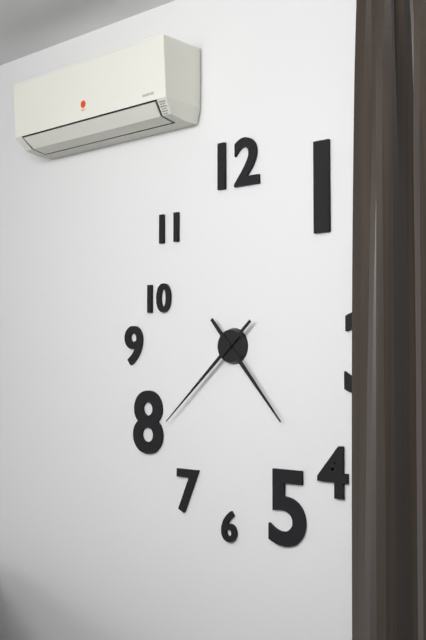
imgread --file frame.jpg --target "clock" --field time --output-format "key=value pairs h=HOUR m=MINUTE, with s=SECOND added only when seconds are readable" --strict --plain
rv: h=4 m=38
